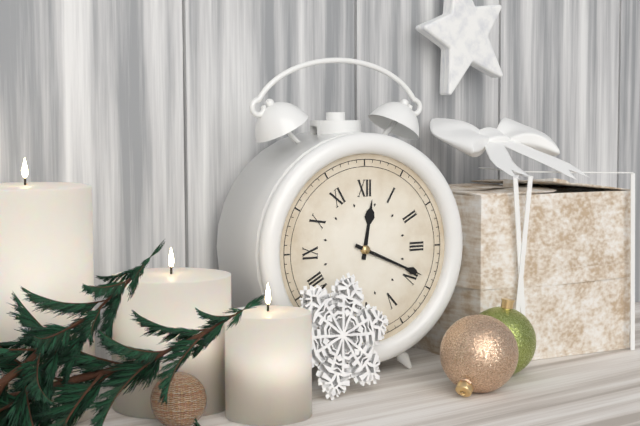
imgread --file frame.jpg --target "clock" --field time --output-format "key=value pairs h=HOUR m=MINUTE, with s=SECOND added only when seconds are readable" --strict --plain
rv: h=12 m=19
